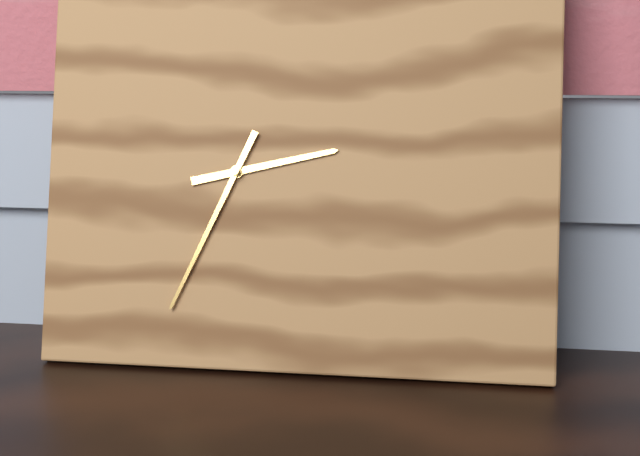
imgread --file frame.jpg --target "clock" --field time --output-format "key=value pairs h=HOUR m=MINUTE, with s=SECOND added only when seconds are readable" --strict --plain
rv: h=2 m=34
